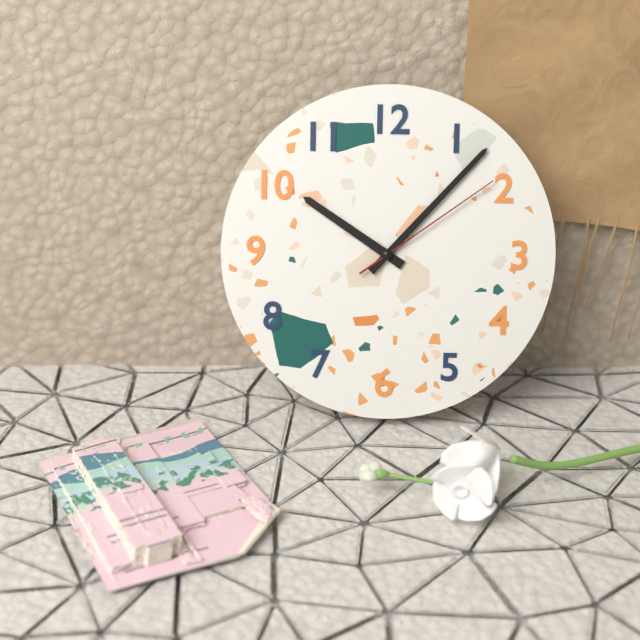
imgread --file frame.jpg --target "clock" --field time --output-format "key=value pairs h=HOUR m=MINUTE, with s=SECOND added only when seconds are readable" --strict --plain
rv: h=10 m=7 s=9
